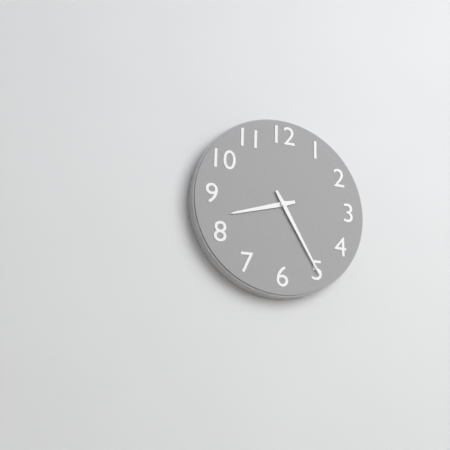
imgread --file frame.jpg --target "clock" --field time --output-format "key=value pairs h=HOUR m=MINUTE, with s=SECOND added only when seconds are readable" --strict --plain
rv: h=8 m=25
